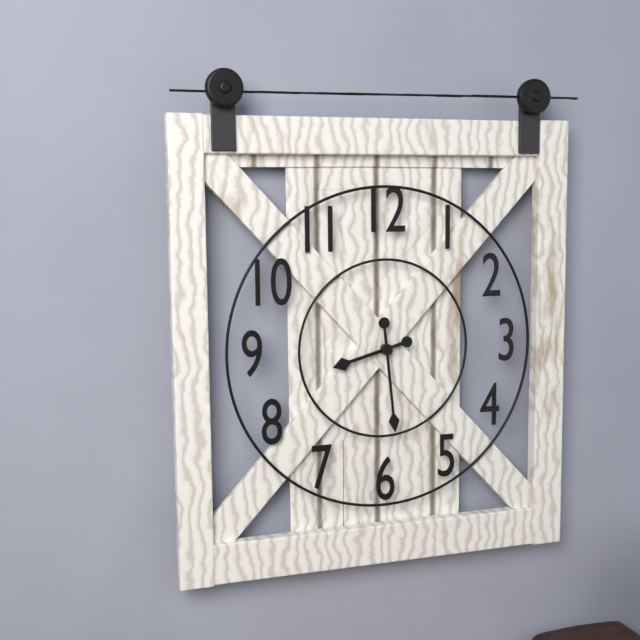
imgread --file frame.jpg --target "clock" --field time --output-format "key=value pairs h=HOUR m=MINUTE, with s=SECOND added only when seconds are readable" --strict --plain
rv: h=8 m=29
